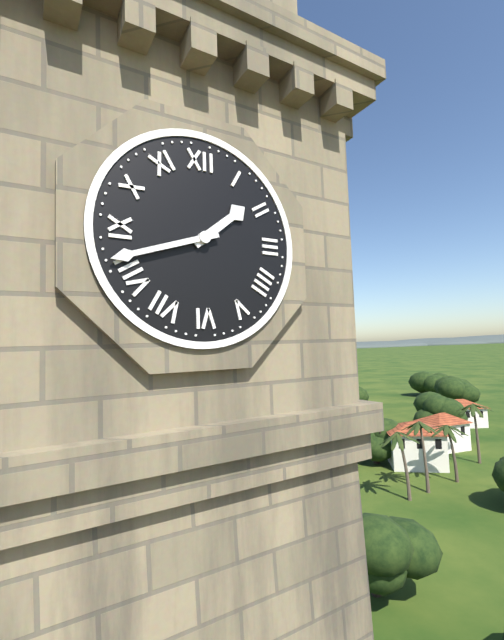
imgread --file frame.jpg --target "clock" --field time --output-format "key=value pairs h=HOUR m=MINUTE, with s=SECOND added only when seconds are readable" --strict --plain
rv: h=1 m=42
